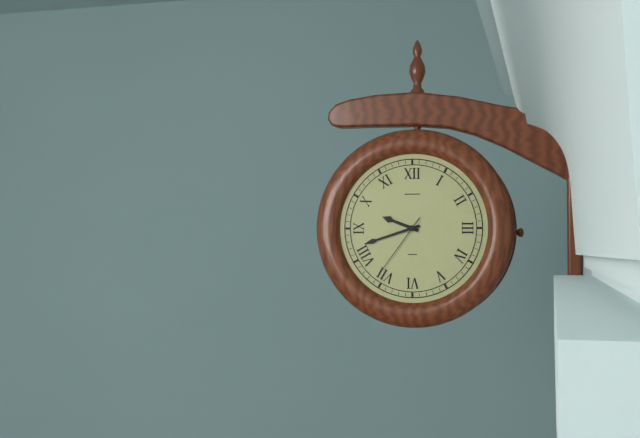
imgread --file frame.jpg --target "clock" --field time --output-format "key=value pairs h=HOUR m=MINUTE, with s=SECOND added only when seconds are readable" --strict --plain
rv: h=9 m=42 s=36
